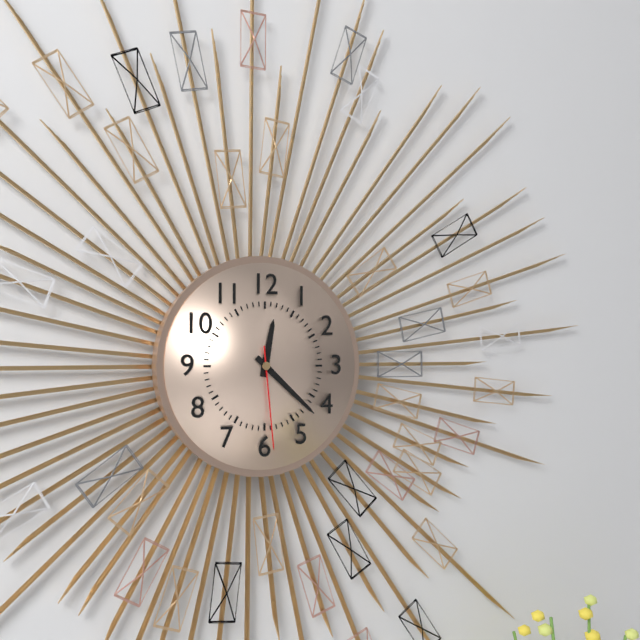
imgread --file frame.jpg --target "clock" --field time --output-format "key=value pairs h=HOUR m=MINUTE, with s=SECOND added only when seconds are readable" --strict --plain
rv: h=12 m=22 s=29
